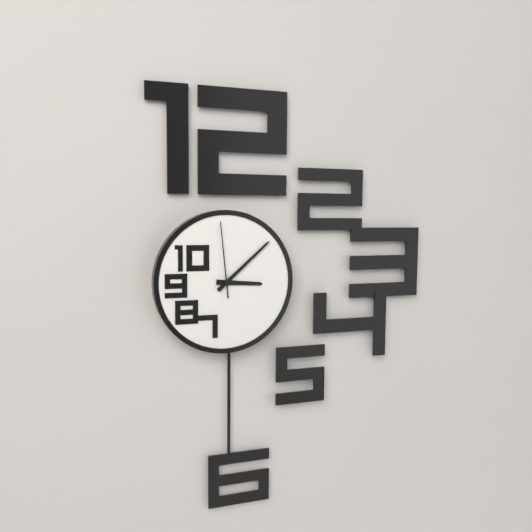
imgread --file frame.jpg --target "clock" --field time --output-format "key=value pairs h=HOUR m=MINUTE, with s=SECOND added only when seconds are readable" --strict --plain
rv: h=3 m=8 s=59
